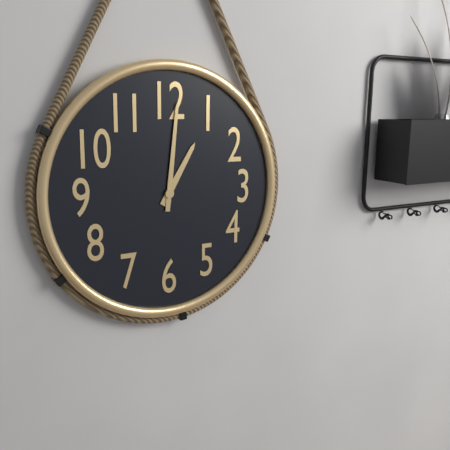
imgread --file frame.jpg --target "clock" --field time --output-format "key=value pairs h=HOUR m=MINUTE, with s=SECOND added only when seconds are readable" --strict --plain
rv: h=1 m=1
